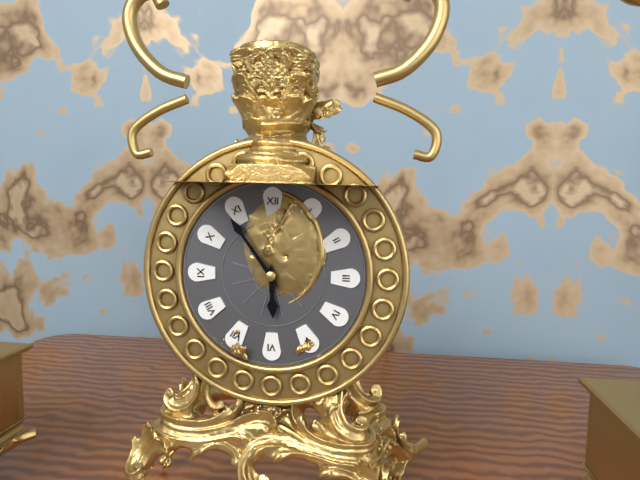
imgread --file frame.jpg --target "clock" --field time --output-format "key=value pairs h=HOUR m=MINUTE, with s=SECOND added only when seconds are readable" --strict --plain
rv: h=5 m=54
